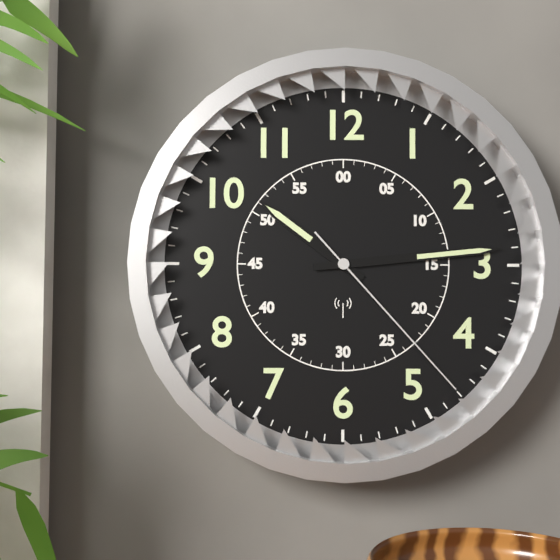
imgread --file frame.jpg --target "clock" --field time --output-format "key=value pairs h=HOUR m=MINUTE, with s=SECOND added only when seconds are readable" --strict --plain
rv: h=10 m=14 s=23
